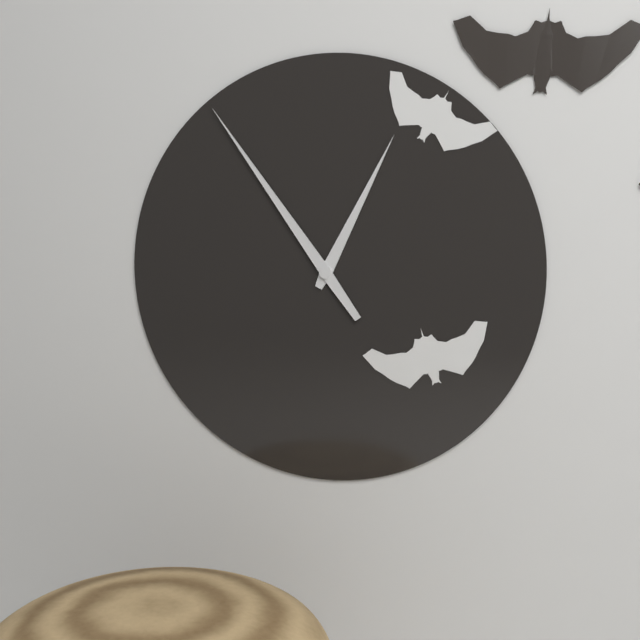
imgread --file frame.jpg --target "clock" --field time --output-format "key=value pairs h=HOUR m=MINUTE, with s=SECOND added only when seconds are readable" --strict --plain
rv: h=12 m=54
